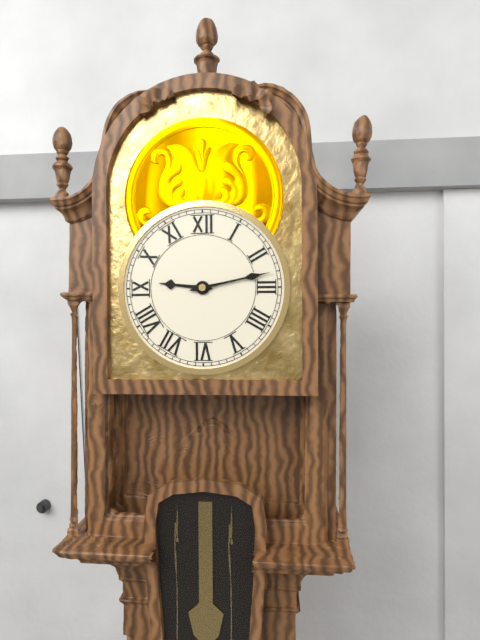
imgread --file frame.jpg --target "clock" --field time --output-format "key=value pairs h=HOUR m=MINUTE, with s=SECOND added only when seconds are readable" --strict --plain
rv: h=9 m=13
